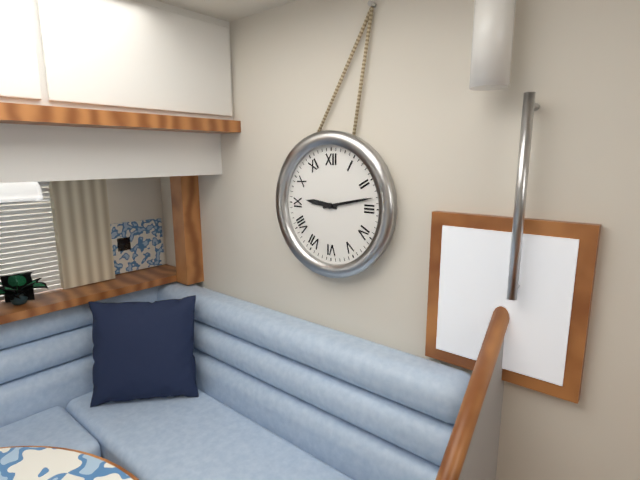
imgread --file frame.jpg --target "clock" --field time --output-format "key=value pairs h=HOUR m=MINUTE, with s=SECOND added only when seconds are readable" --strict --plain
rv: h=9 m=13
